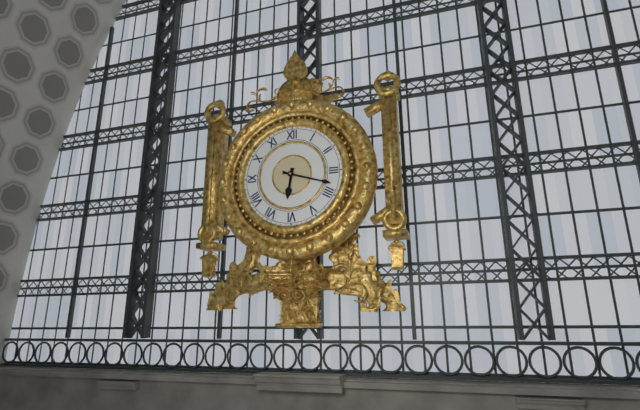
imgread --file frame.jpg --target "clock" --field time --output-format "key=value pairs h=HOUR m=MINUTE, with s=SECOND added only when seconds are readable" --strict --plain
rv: h=6 m=18
